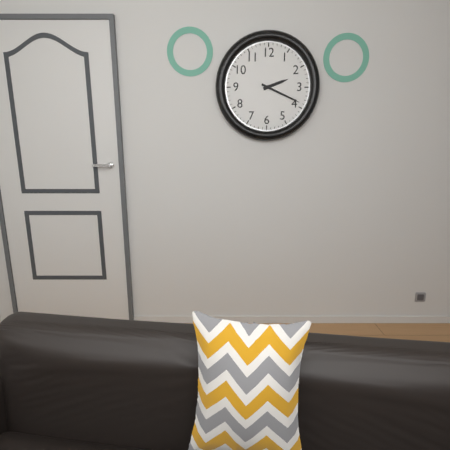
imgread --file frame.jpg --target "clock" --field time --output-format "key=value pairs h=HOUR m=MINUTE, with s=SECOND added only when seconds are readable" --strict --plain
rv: h=2 m=19
